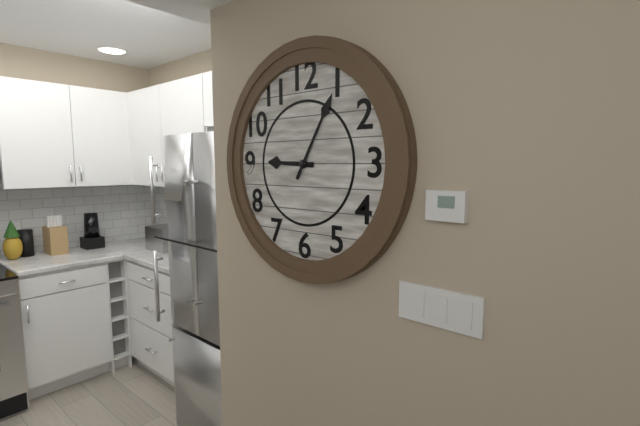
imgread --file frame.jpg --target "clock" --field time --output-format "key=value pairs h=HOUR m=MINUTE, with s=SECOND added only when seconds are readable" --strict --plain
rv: h=9 m=5
